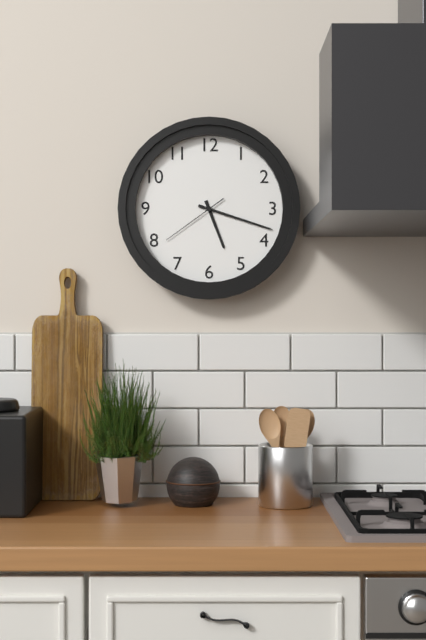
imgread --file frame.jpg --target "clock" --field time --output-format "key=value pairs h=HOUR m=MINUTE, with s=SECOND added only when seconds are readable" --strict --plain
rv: h=5 m=18 s=39
